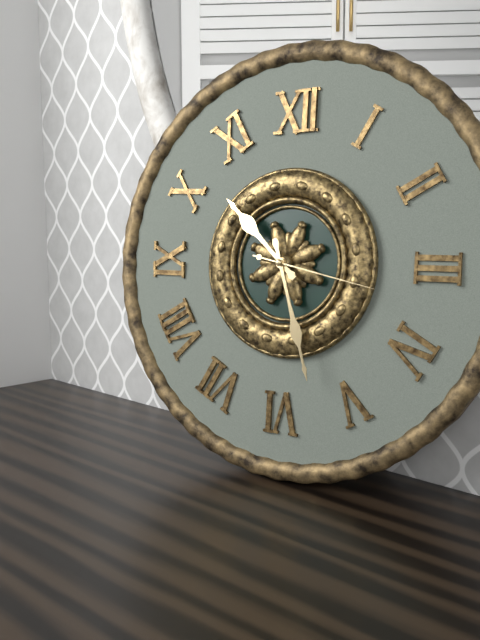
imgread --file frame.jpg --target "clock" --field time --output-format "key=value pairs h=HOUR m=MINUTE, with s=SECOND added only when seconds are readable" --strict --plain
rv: h=10 m=27 s=17
